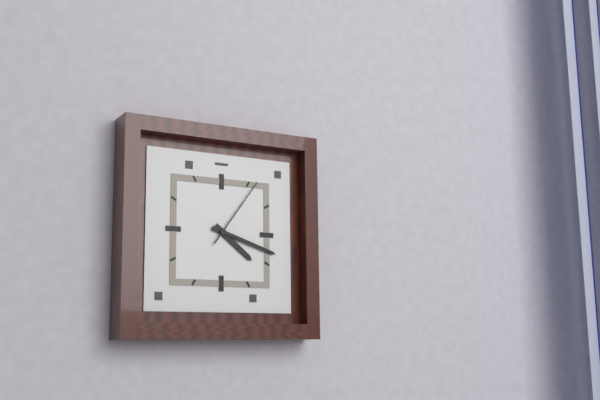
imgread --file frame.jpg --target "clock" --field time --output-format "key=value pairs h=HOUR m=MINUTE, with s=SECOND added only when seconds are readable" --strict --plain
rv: h=4 m=18 s=6
